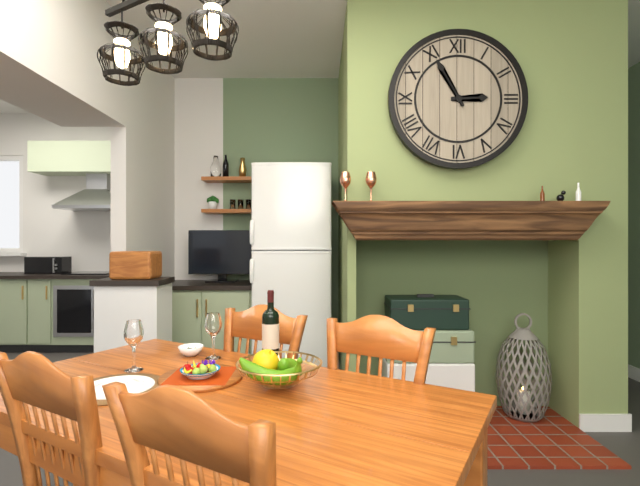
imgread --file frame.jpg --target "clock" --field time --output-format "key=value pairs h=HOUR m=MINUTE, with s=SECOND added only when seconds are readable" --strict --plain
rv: h=2 m=55
